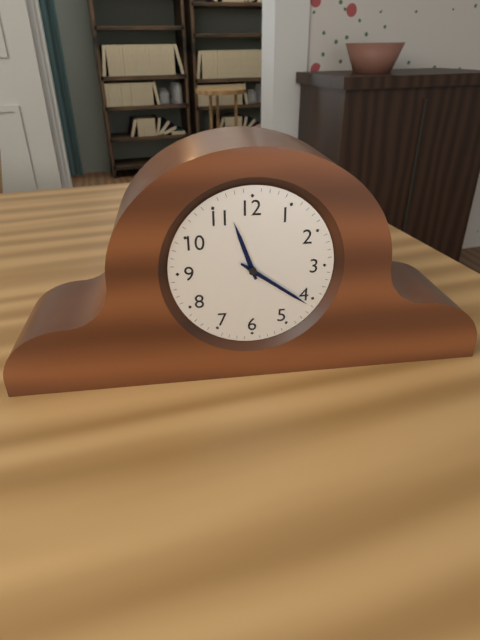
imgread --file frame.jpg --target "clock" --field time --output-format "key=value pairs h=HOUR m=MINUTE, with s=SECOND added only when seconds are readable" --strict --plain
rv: h=11 m=21
